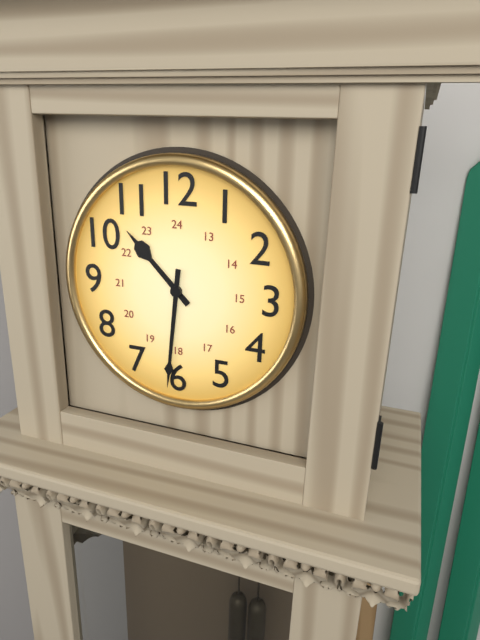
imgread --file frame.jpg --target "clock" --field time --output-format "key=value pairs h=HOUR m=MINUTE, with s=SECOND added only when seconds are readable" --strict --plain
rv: h=10 m=31
